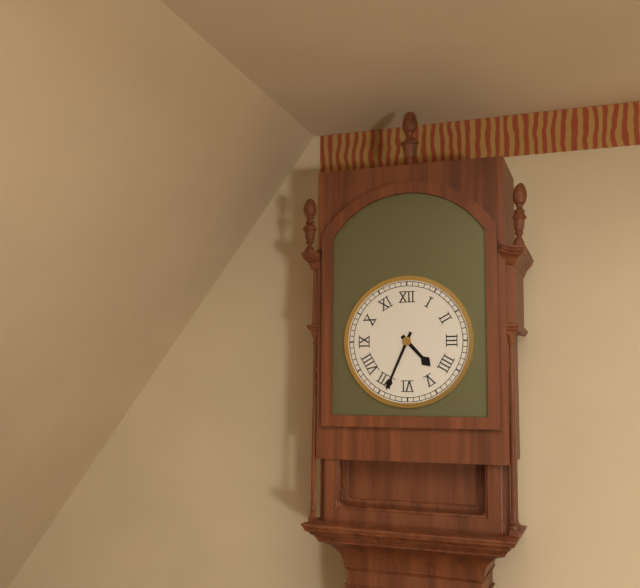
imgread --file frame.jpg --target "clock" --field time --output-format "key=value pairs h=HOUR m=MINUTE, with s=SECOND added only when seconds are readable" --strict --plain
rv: h=4 m=34
